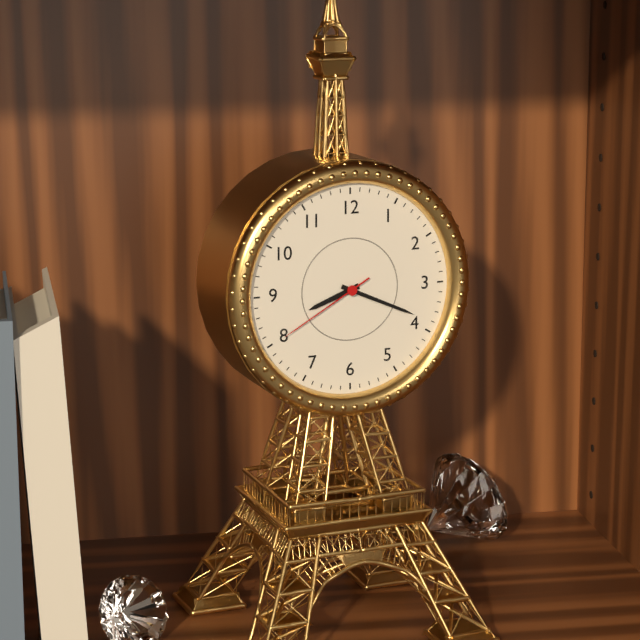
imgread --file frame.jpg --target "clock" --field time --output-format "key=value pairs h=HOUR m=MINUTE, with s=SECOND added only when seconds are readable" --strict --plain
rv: h=8 m=19 s=40
